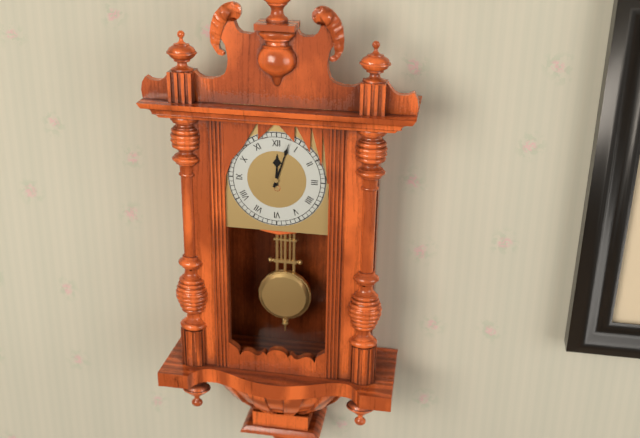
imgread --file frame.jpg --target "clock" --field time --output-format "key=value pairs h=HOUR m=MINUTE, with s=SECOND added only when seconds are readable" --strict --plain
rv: h=12 m=3
